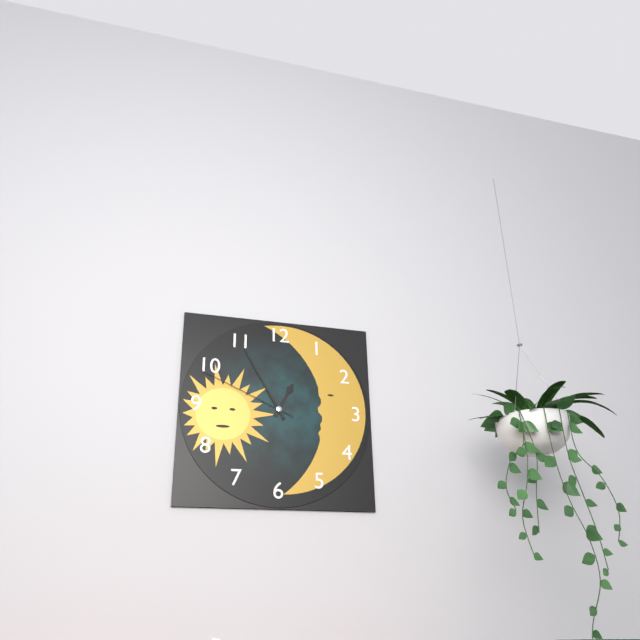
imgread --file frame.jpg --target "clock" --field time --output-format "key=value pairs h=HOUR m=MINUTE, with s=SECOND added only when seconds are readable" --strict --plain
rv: h=12 m=55 s=49
